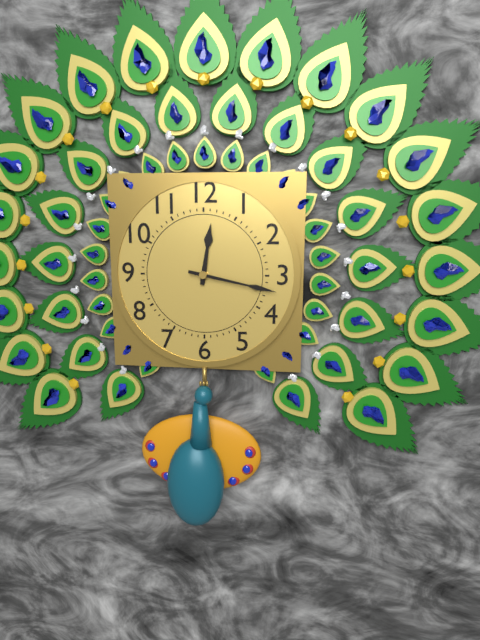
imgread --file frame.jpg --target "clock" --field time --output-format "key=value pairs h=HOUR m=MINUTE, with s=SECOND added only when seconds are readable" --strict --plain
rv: h=12 m=17
